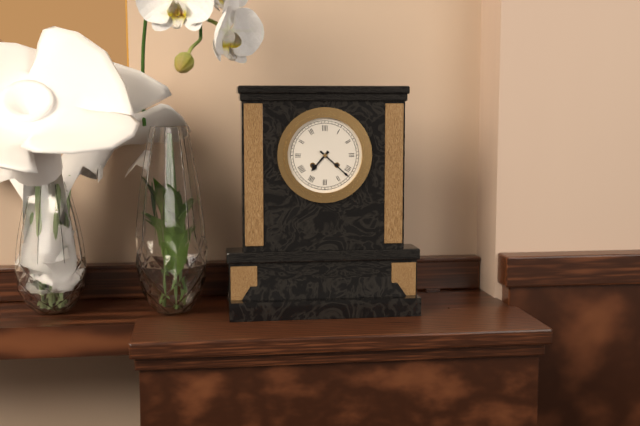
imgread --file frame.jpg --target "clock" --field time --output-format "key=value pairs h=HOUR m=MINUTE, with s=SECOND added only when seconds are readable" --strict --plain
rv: h=7 m=22
